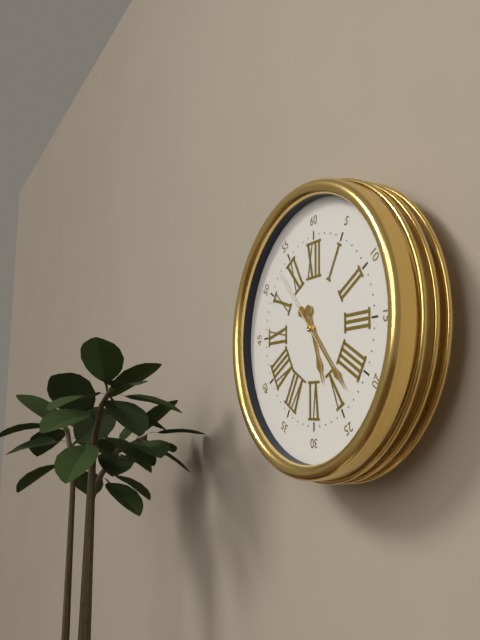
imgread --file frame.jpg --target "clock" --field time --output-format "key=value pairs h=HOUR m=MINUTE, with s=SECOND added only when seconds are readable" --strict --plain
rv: h=5 m=23 s=53
